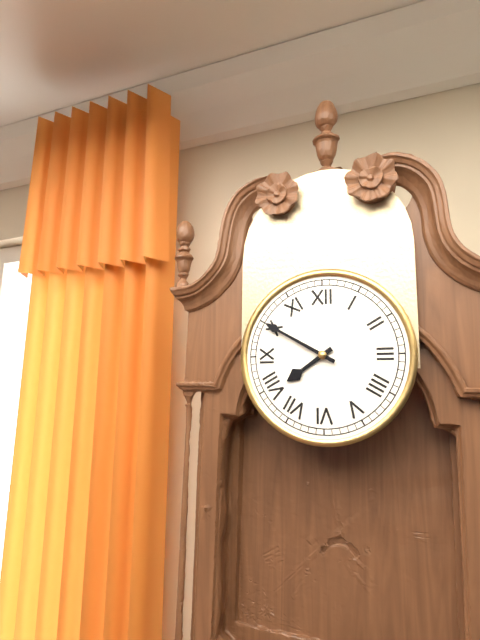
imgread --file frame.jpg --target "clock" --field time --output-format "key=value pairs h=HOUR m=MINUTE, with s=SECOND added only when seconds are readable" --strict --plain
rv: h=7 m=50
